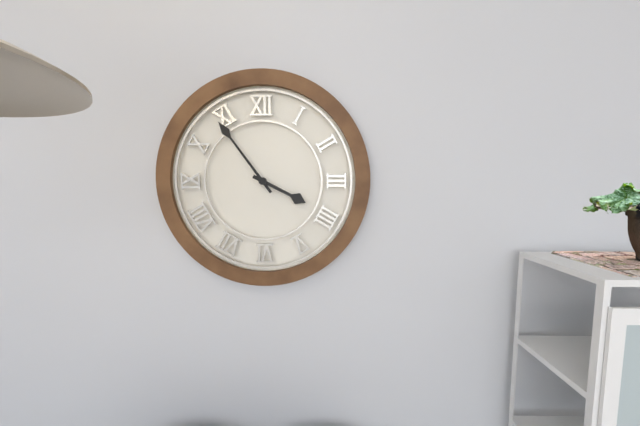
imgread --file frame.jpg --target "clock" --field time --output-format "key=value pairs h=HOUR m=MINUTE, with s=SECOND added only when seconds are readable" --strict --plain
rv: h=3 m=54
